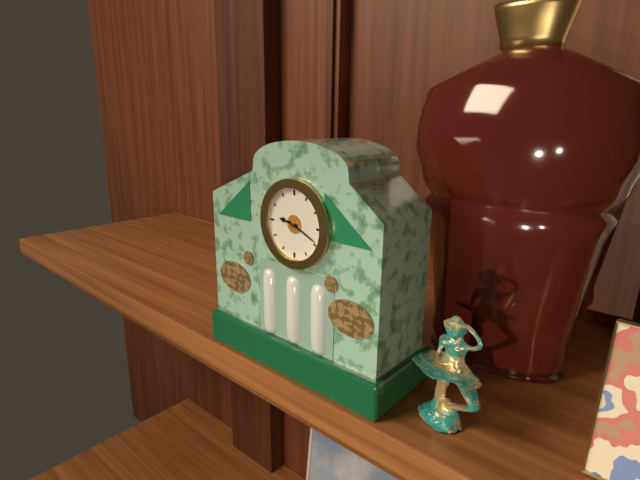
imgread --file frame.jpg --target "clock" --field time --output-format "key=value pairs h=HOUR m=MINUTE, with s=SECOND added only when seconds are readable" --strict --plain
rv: h=9 m=19
